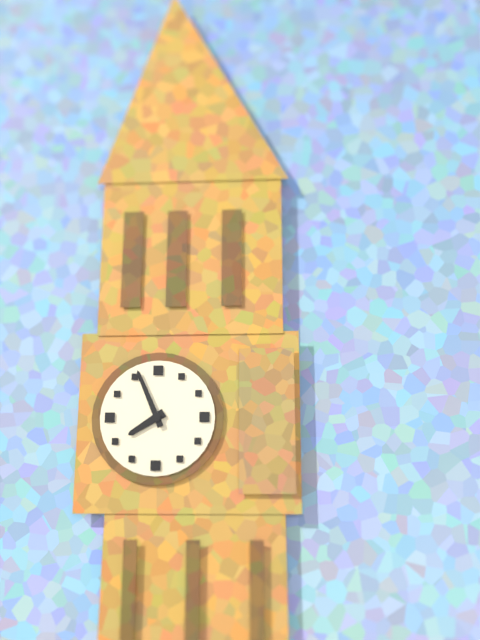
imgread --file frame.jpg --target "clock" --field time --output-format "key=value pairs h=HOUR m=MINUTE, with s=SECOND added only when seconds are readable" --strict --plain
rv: h=7 m=56
